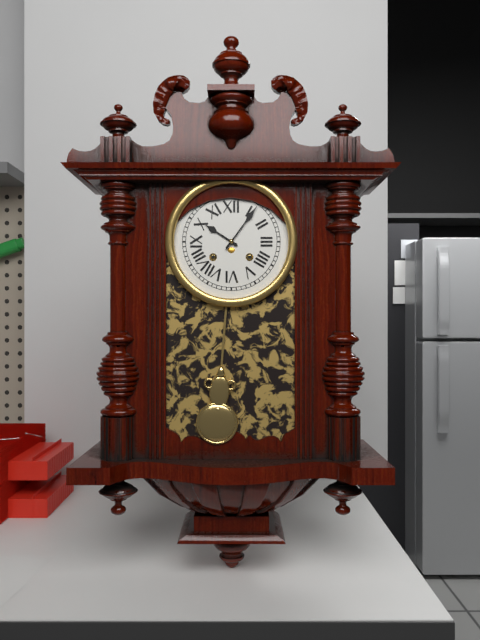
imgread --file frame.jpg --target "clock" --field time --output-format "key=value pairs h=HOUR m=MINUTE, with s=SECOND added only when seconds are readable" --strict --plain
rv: h=10 m=6
